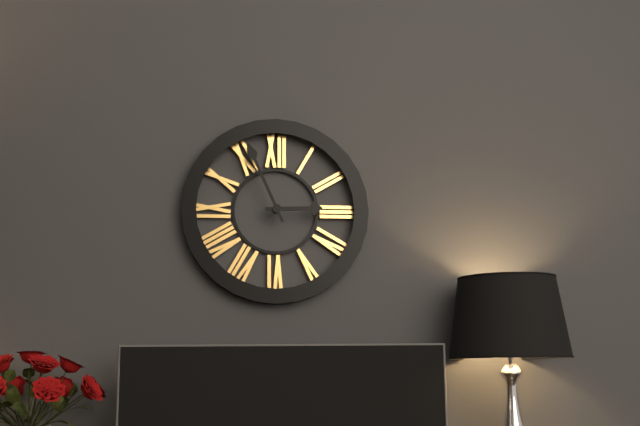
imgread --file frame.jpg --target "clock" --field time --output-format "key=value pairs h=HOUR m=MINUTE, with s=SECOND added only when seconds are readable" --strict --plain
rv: h=2 m=56
